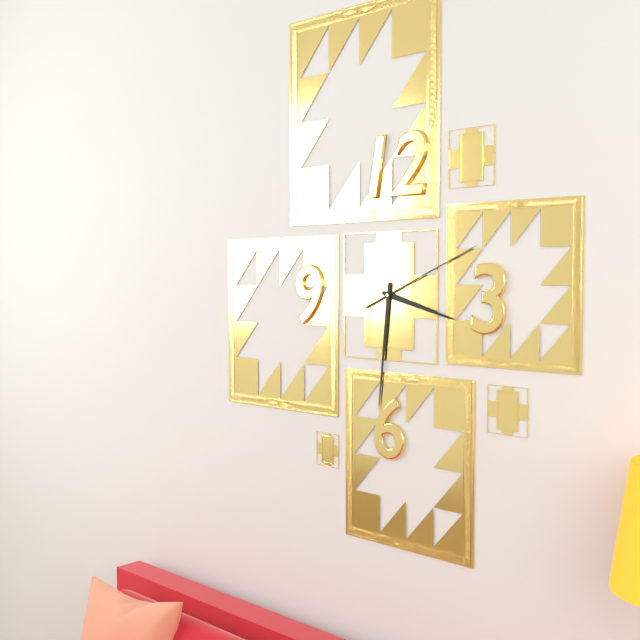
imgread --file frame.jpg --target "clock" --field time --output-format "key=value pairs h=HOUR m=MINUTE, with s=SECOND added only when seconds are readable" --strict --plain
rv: h=3 m=31 s=11
